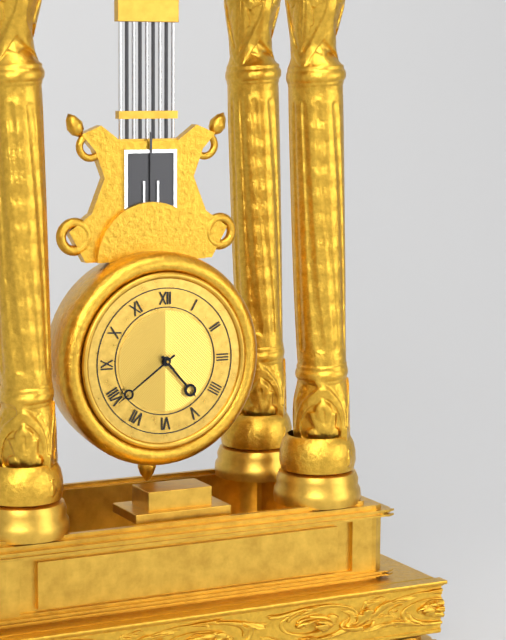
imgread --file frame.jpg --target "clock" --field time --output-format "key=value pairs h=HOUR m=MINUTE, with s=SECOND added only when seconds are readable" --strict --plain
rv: h=4 m=39
